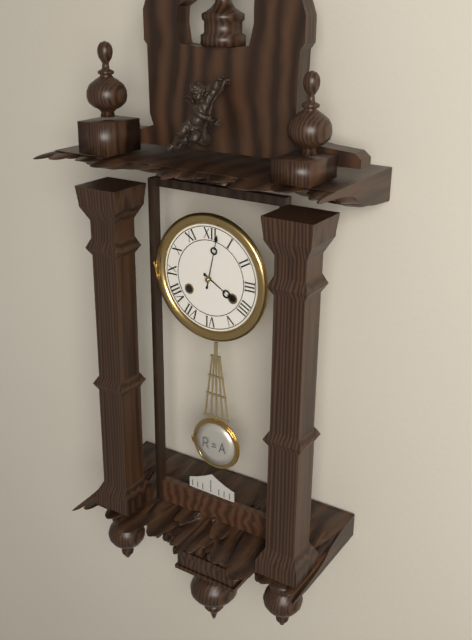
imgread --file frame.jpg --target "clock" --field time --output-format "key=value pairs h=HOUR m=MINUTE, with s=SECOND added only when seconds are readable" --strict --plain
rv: h=4 m=2
